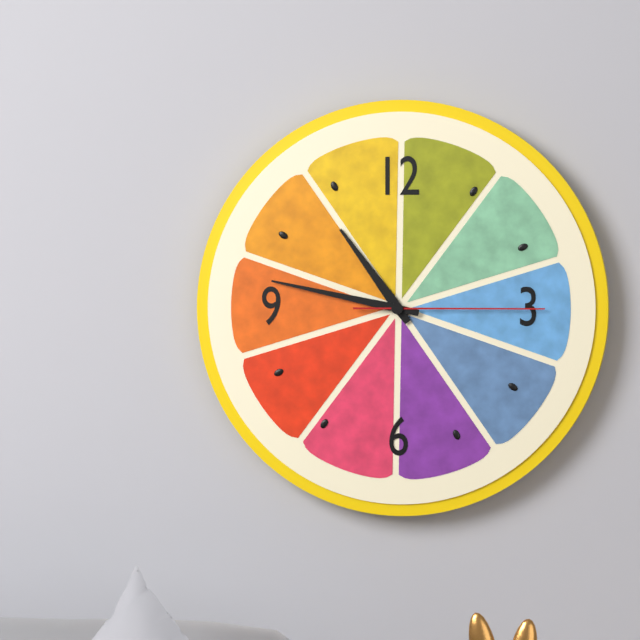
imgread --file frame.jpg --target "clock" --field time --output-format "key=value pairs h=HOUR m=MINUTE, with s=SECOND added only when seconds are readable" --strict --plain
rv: h=10 m=47 s=15
